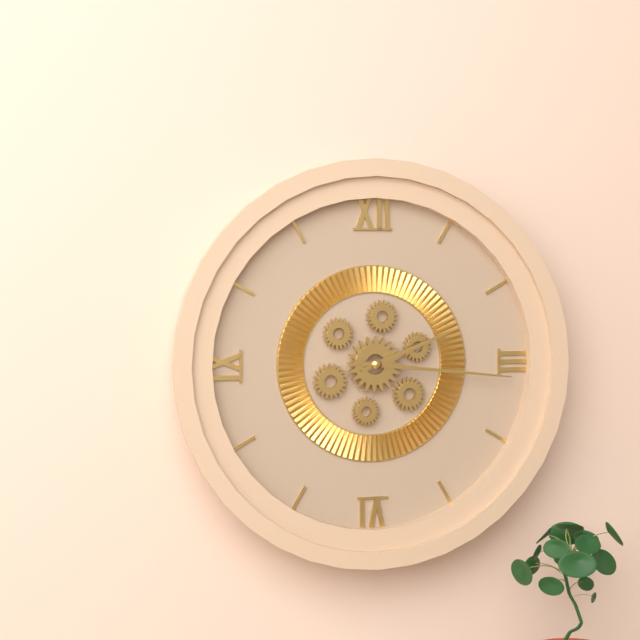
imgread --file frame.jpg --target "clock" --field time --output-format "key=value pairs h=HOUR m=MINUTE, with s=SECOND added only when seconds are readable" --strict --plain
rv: h=2 m=16
